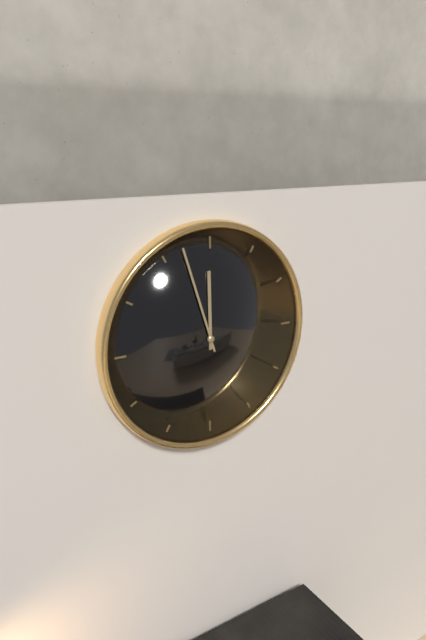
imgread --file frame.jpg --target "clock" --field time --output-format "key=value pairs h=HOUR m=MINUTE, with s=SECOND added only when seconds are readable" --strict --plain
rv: h=11 m=57
